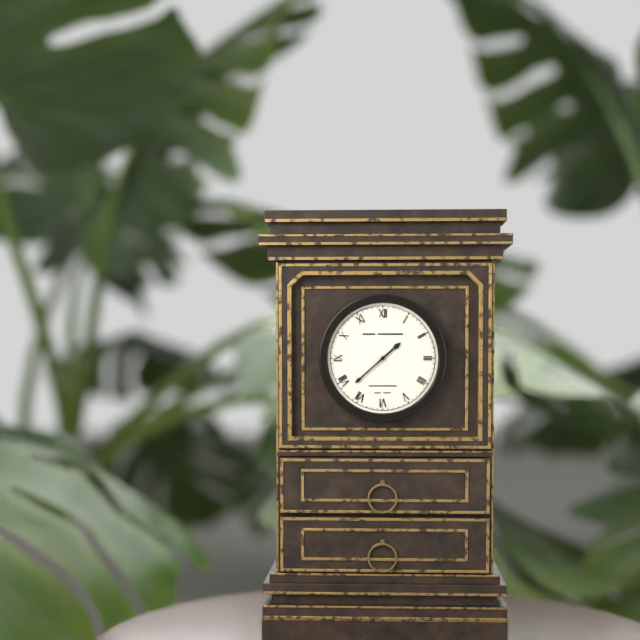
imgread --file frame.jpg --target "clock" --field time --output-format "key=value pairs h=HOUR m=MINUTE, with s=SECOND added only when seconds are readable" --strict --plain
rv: h=1 m=38
